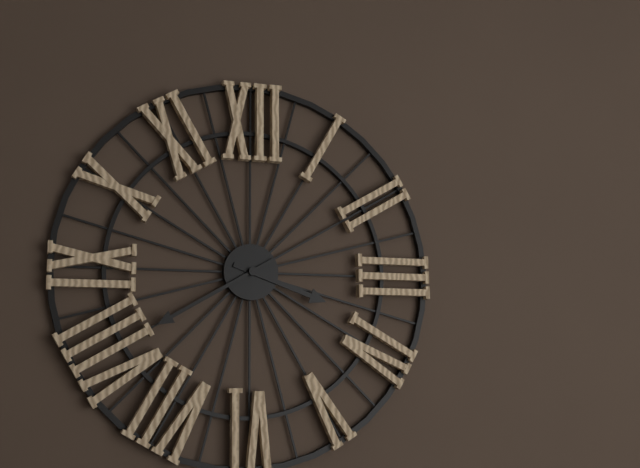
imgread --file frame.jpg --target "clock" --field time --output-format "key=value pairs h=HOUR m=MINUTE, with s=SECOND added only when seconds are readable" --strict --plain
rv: h=3 m=40
